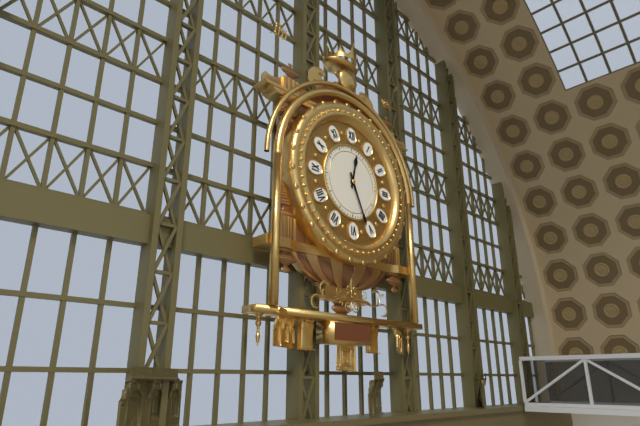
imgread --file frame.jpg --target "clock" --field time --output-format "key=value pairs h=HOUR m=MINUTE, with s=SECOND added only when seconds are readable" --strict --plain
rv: h=12 m=26
